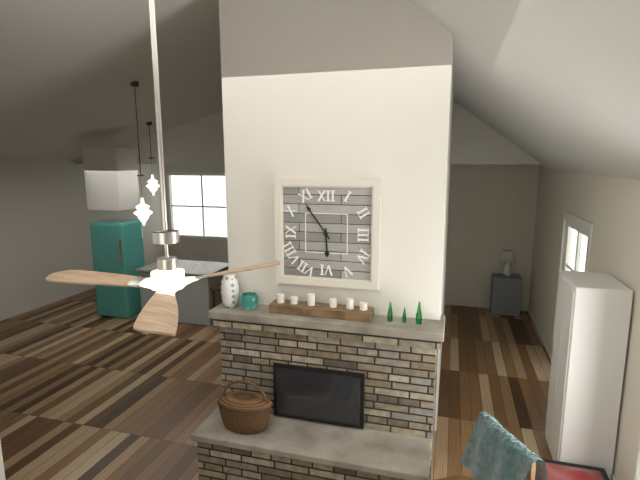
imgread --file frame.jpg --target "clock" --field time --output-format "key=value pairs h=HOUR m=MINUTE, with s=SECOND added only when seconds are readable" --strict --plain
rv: h=5 m=54
